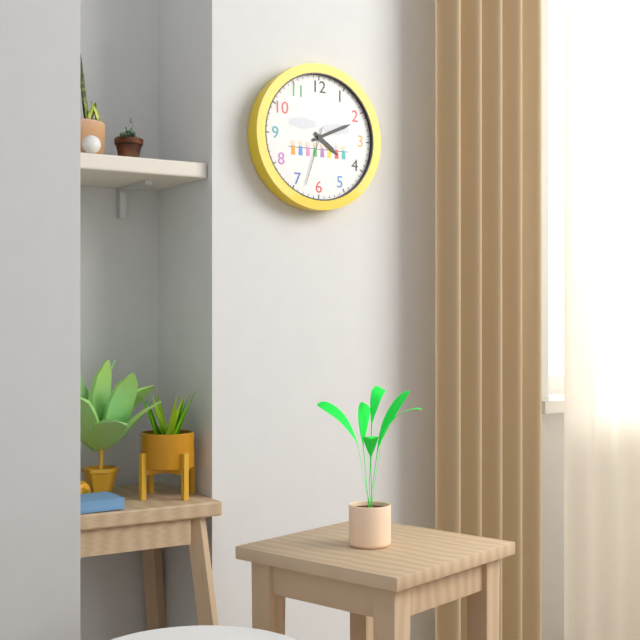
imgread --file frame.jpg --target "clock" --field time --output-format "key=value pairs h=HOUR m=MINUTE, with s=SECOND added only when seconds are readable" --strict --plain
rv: h=4 m=11 s=33
